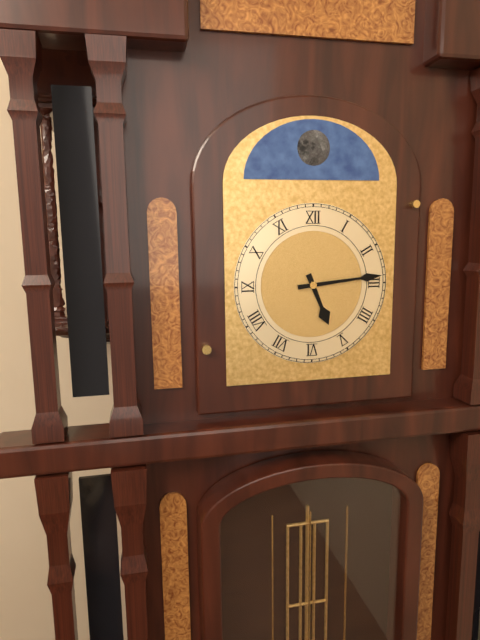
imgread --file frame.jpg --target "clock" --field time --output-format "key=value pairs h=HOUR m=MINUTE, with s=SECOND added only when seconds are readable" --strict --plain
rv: h=5 m=14
